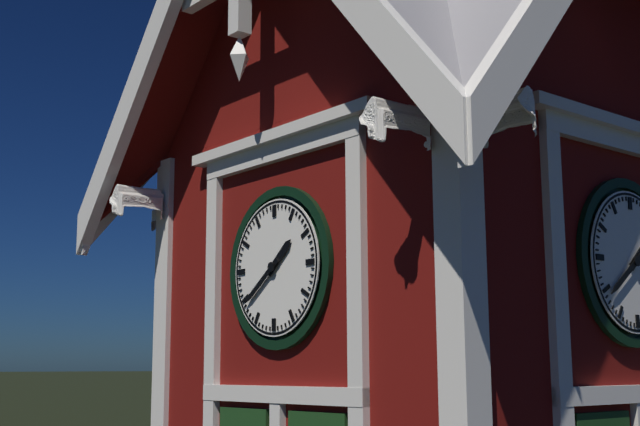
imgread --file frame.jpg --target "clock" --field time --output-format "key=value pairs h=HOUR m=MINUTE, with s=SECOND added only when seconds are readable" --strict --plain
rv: h=1 m=39
